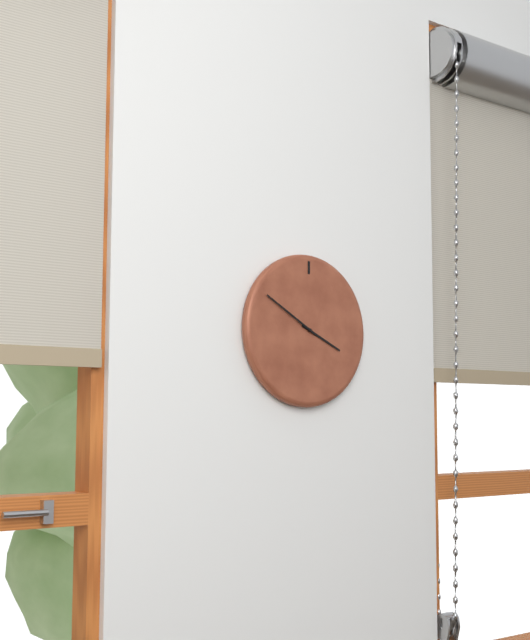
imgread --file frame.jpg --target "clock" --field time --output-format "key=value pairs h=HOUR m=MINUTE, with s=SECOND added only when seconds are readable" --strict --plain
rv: h=3 m=50
